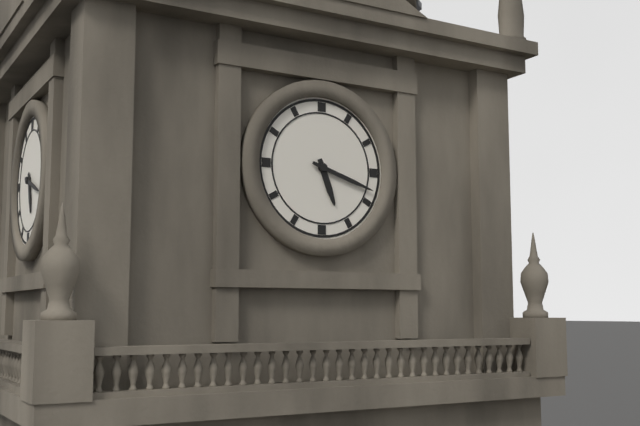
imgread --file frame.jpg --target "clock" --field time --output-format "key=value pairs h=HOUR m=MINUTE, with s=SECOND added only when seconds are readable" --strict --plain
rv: h=5 m=18
